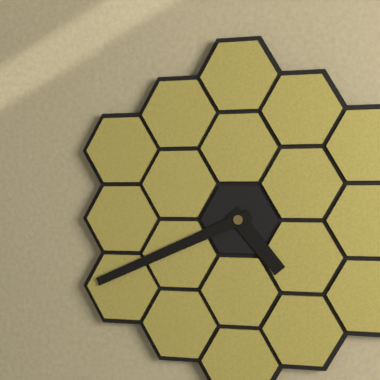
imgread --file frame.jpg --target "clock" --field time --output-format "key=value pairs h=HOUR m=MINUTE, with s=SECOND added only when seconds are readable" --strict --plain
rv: h=4 m=41
